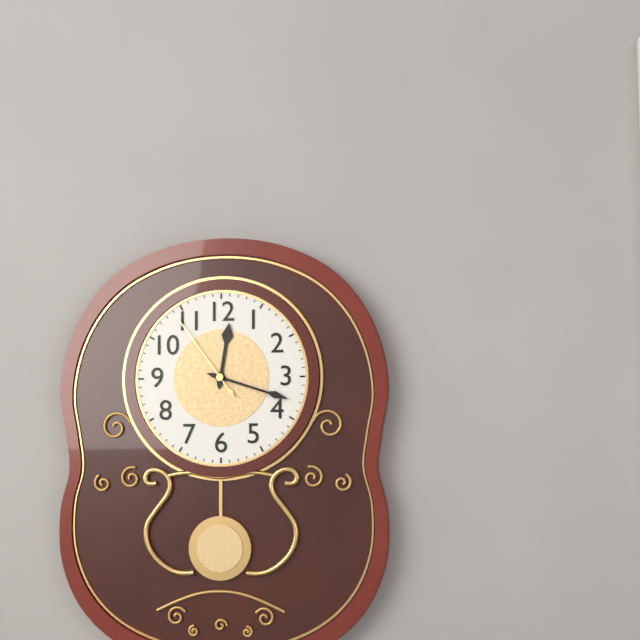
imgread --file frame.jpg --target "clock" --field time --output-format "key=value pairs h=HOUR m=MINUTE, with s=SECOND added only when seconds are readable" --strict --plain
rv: h=12 m=18 s=54
